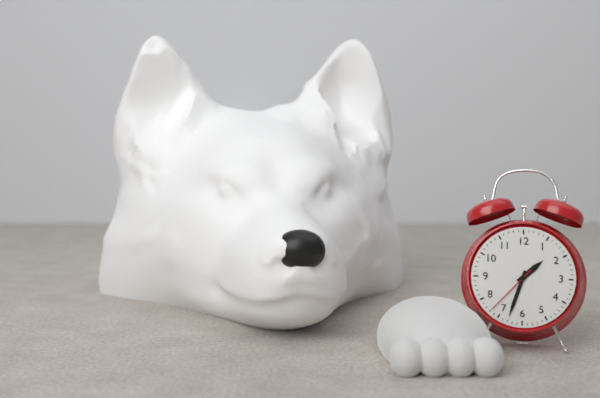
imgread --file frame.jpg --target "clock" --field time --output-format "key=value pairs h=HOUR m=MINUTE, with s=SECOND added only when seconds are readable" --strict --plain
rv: h=1 m=33 s=37
